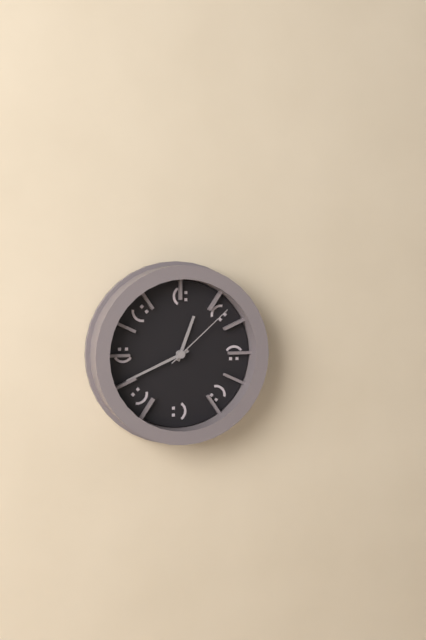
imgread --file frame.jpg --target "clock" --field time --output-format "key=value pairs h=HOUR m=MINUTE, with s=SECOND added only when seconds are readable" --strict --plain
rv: h=12 m=41 s=8
